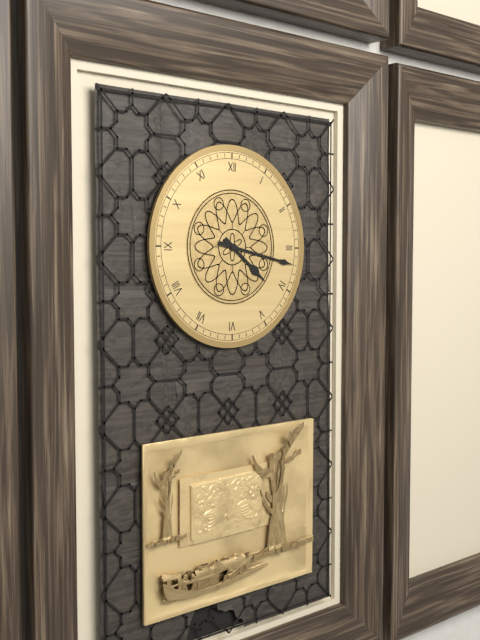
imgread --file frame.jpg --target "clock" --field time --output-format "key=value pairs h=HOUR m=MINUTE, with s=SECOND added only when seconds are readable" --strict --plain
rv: h=4 m=17
